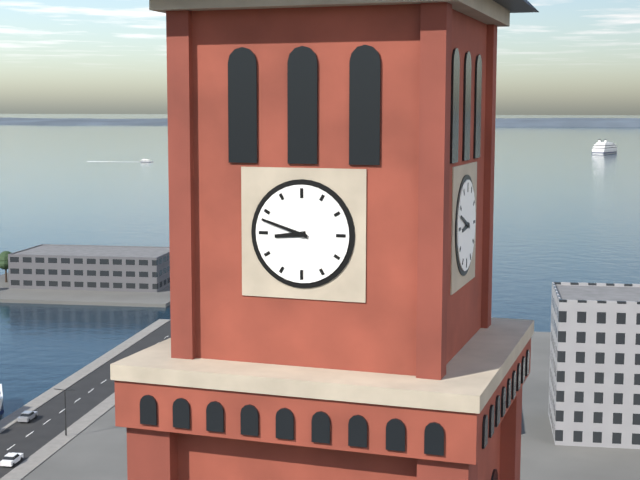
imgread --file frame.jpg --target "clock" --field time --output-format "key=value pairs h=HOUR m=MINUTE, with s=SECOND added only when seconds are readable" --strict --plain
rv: h=8 m=48
